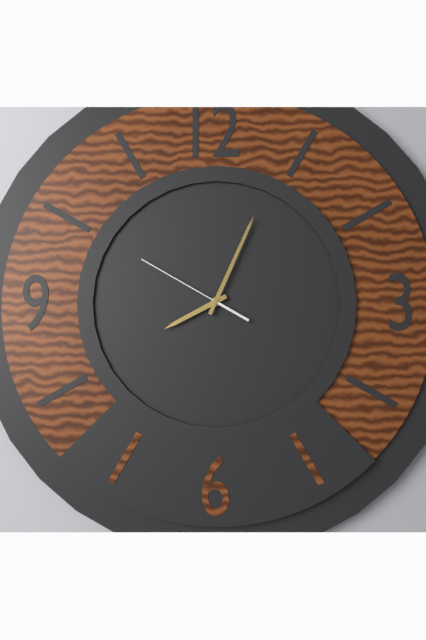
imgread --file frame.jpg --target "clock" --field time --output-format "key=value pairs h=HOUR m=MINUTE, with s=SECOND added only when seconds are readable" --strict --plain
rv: h=8 m=4 s=50
